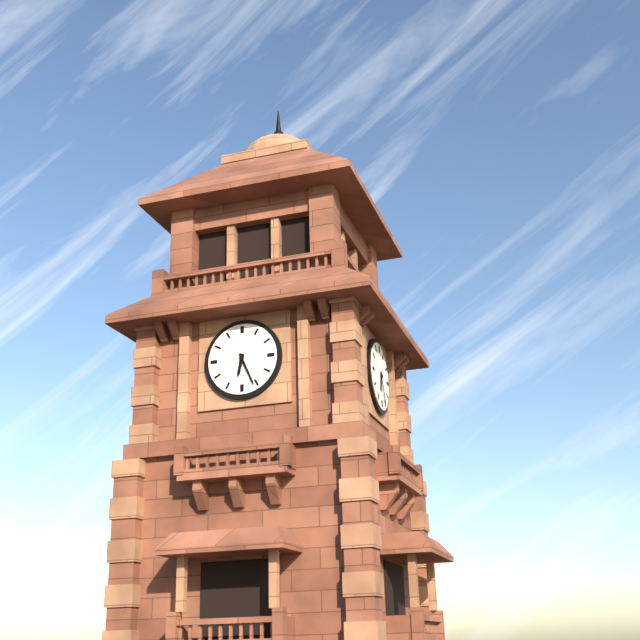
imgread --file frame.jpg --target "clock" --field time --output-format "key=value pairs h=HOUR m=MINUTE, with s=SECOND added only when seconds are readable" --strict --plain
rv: h=6 m=26
